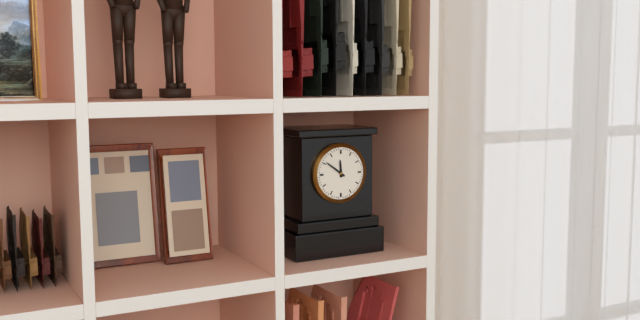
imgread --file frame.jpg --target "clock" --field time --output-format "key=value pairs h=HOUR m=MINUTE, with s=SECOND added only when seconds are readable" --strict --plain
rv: h=11 m=51
